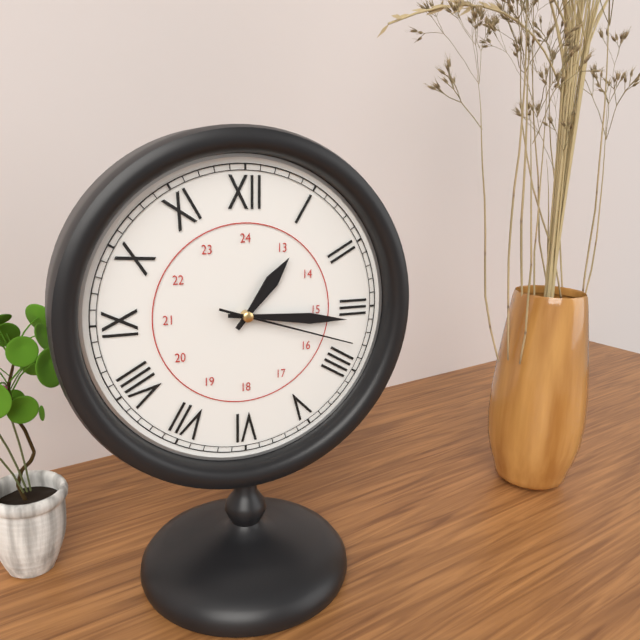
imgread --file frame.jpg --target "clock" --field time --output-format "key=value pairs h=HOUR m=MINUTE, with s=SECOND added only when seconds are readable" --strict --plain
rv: h=1 m=16 s=18
